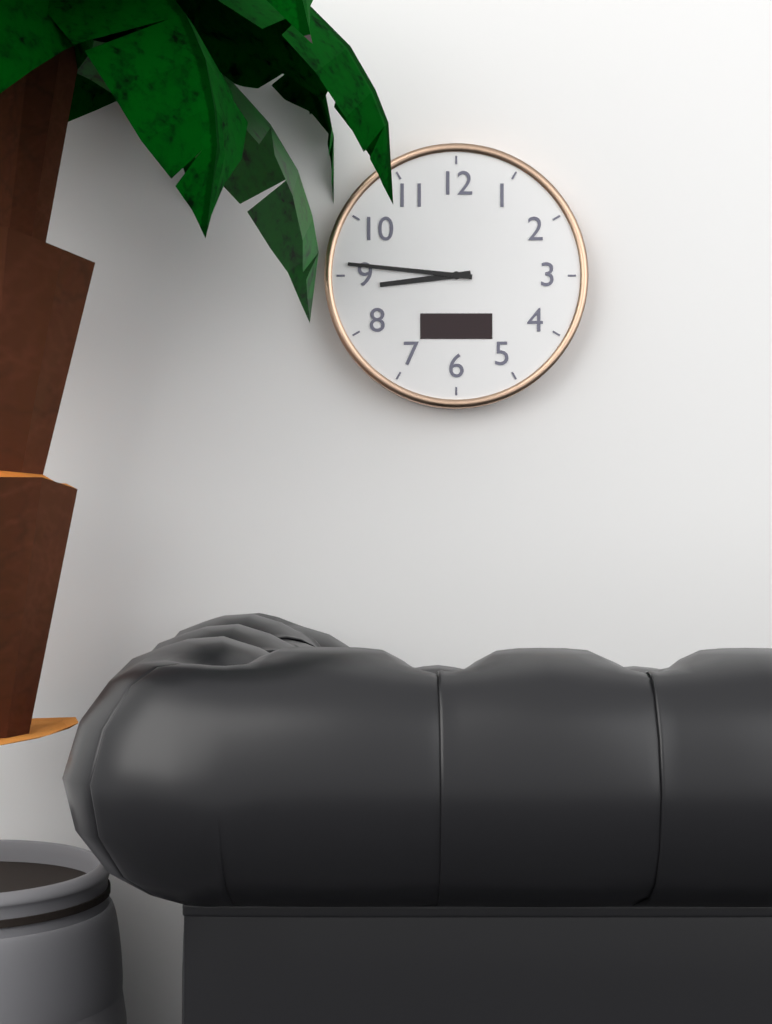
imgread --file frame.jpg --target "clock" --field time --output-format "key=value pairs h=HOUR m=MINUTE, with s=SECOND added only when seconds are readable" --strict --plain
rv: h=8 m=46
